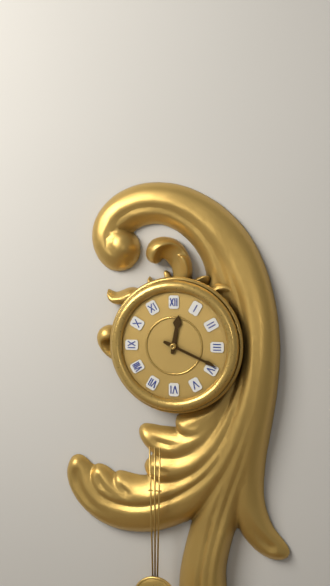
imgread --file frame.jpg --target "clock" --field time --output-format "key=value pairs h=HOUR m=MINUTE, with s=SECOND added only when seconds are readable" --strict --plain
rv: h=12 m=19
